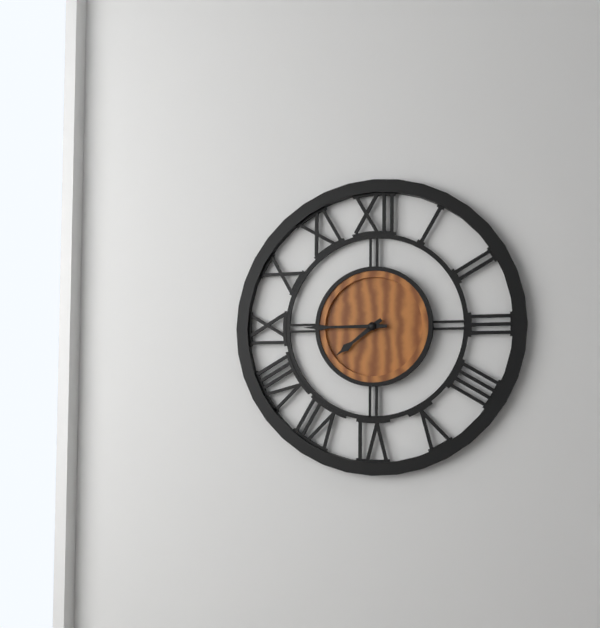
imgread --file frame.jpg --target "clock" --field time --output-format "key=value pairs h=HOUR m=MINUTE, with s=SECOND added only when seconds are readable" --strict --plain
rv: h=7 m=45
